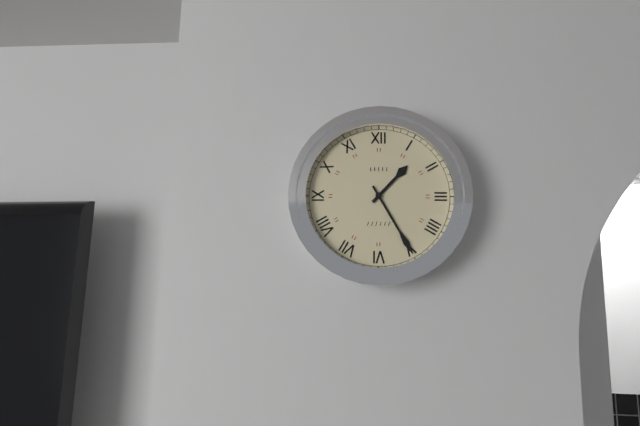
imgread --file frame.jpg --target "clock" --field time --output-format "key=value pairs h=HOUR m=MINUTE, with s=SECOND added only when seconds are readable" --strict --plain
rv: h=1 m=25
